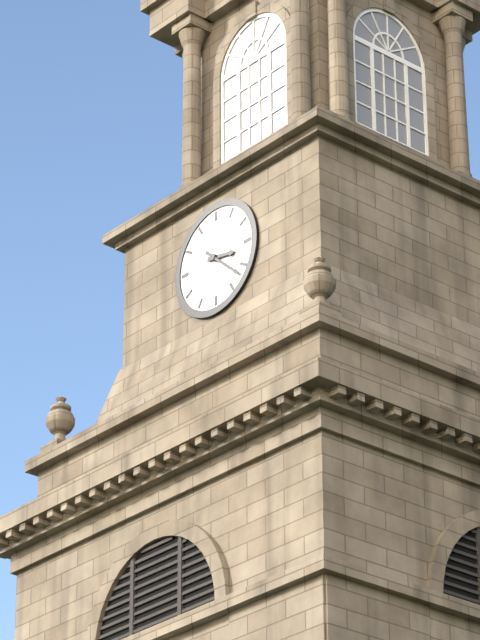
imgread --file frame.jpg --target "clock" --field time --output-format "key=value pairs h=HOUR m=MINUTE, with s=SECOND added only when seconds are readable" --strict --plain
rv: h=3 m=22
